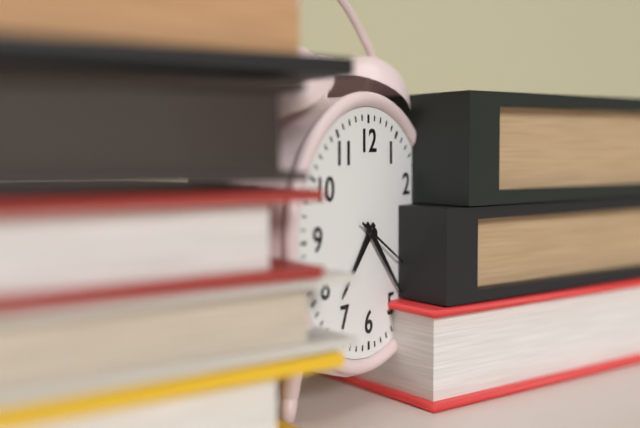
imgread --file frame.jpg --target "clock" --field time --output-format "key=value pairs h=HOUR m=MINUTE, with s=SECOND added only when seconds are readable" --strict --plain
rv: h=7 m=23
